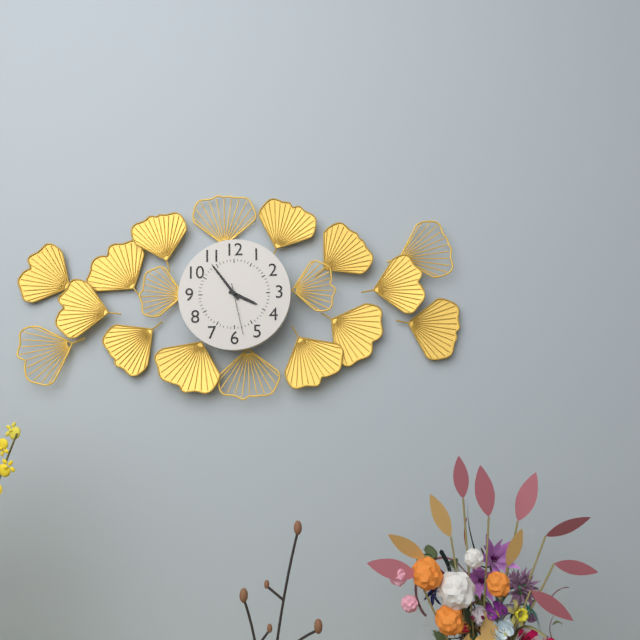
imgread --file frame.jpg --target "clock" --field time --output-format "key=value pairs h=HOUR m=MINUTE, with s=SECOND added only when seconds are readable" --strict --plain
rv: h=3 m=54 s=28
